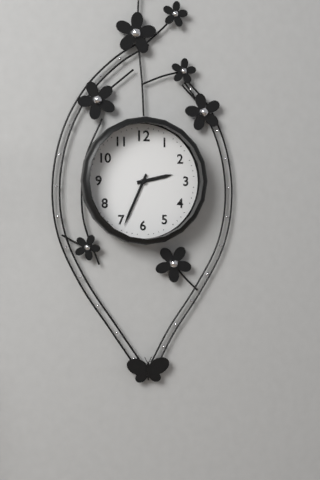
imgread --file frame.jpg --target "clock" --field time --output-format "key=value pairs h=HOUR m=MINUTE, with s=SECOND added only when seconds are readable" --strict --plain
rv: h=2 m=34
